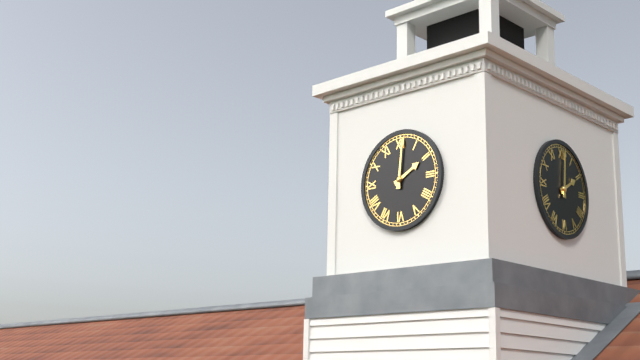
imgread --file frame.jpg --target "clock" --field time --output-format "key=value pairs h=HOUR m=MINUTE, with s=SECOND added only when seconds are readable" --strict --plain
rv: h=2 m=1
